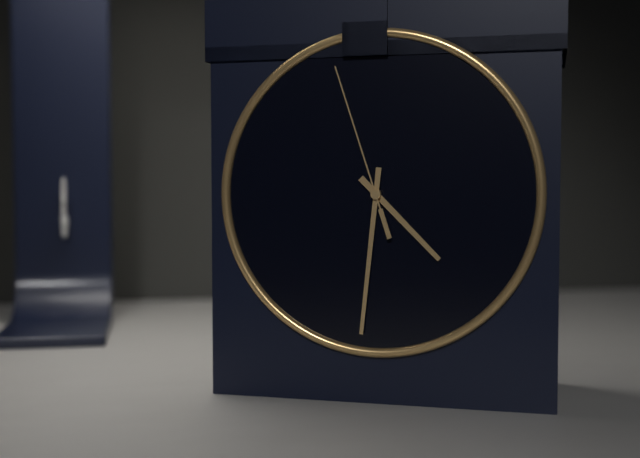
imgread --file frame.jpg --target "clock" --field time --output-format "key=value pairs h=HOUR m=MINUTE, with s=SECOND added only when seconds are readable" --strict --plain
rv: h=4 m=31 s=57
